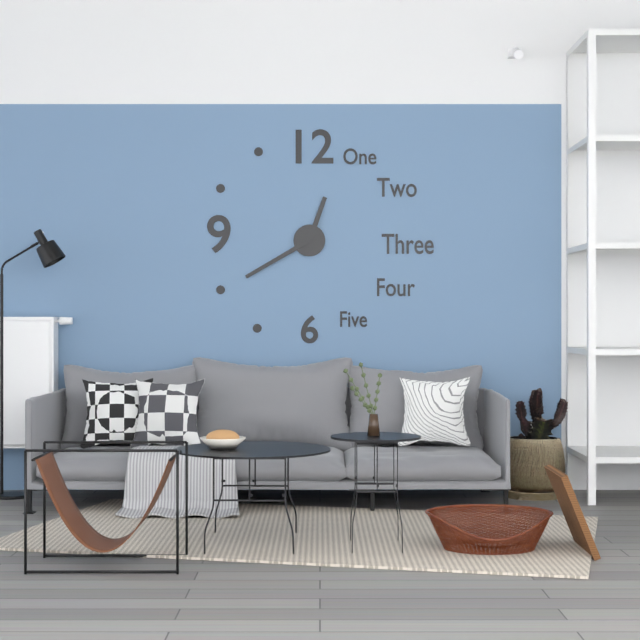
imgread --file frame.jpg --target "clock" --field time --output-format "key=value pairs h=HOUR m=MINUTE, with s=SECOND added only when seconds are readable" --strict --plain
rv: h=12 m=40
